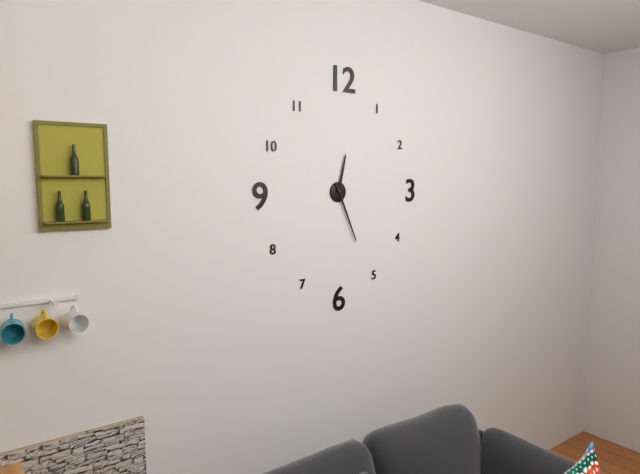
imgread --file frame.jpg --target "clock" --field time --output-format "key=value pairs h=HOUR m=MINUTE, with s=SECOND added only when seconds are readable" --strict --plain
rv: h=12 m=26
